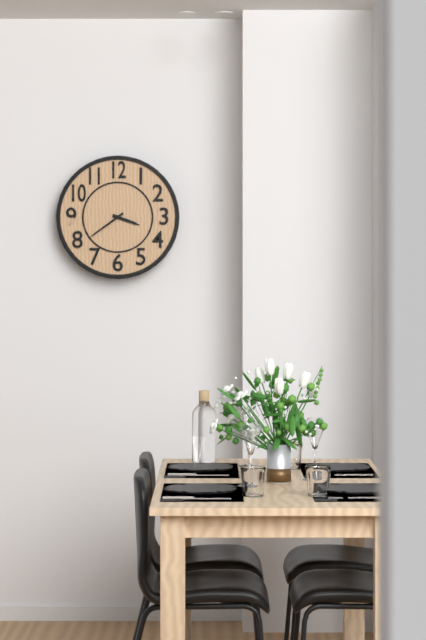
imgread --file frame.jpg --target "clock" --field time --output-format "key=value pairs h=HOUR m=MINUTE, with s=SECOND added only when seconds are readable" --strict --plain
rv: h=3 m=39
